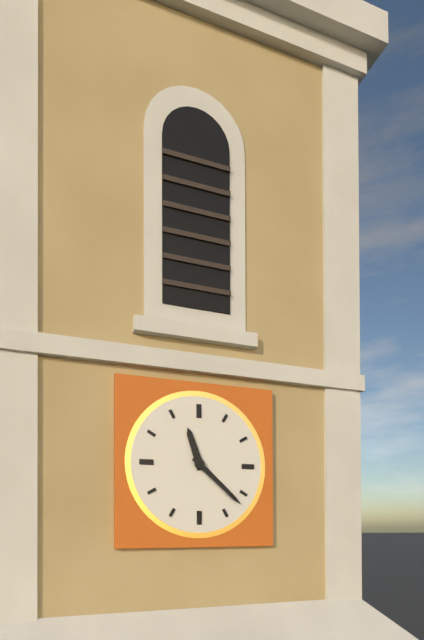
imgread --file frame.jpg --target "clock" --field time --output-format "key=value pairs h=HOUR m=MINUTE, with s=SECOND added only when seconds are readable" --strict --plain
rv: h=11 m=22
